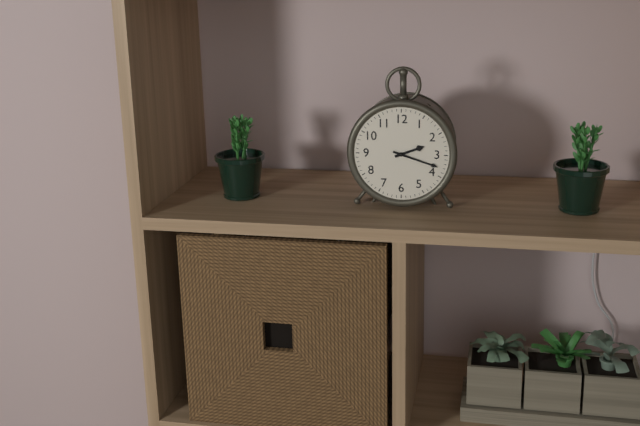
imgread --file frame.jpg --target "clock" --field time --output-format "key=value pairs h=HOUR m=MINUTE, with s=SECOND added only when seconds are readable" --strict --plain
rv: h=2 m=18
